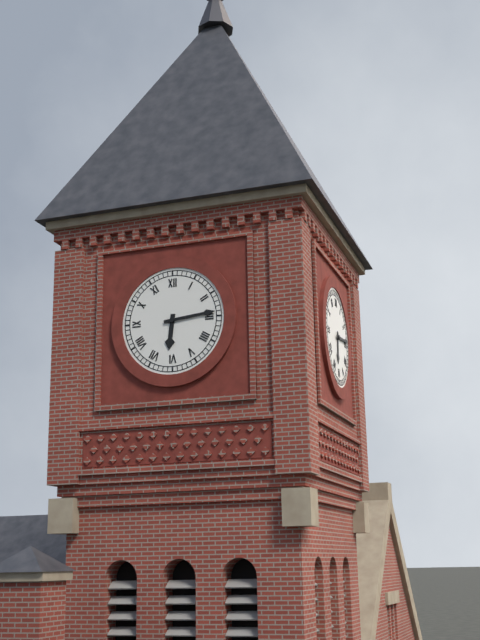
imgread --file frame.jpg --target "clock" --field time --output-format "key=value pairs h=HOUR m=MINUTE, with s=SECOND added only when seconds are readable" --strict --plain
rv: h=6 m=14
